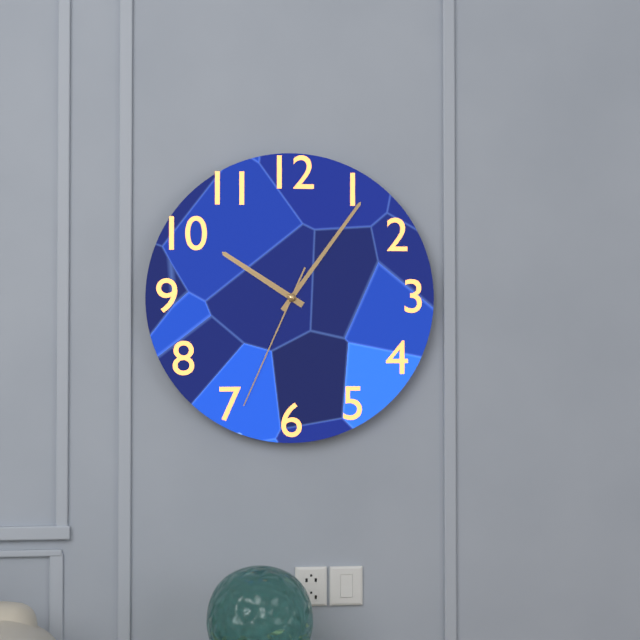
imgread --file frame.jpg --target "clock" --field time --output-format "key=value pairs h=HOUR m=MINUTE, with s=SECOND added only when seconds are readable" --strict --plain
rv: h=10 m=6 s=34
